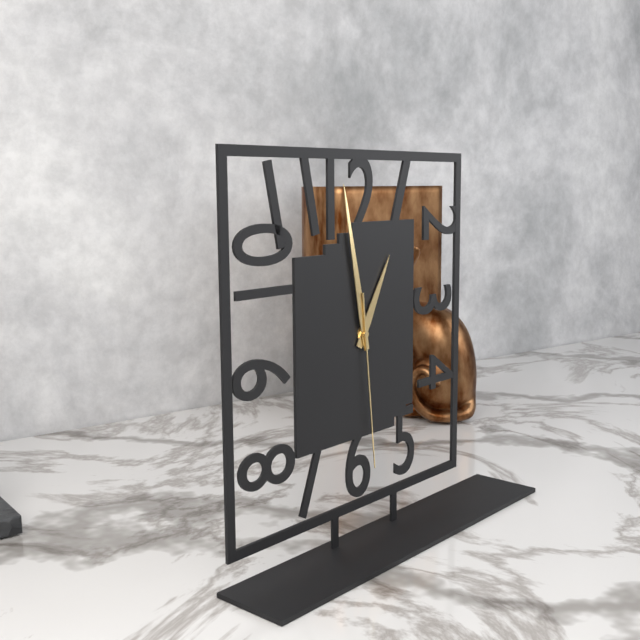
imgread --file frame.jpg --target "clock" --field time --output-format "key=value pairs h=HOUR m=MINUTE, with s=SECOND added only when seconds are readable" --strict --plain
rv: h=12 m=58 s=29
